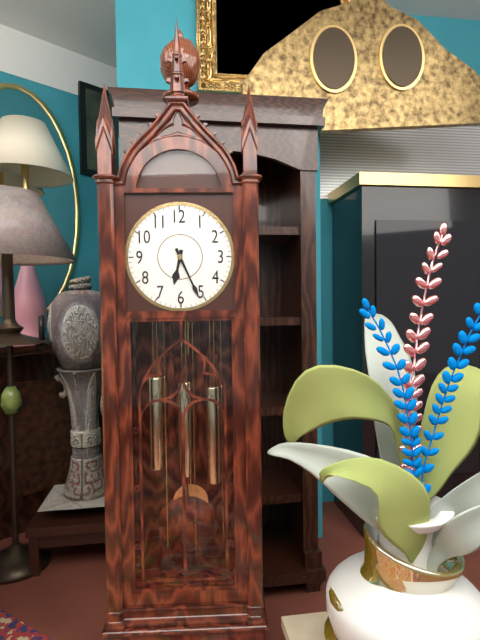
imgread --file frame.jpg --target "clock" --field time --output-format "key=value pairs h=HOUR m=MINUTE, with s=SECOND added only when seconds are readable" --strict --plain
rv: h=6 m=26
